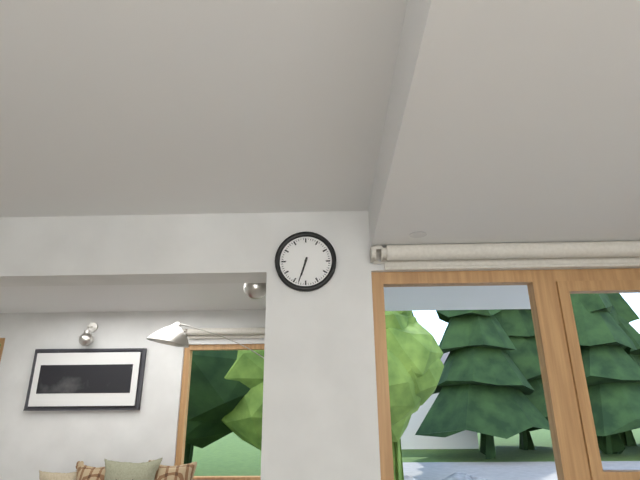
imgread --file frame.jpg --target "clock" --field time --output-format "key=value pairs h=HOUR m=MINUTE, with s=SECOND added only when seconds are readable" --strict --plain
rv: h=6 m=33
